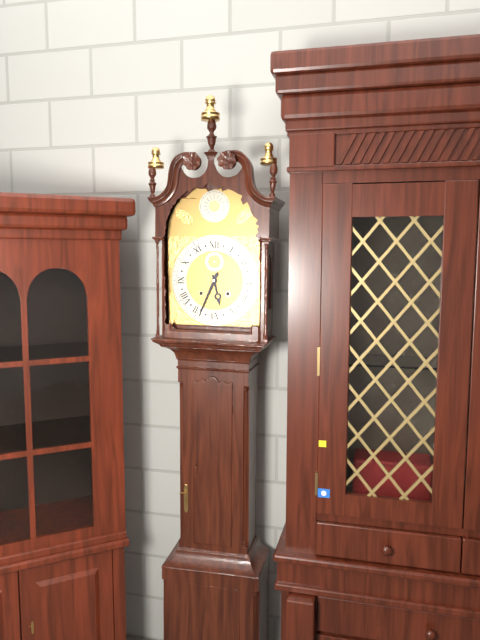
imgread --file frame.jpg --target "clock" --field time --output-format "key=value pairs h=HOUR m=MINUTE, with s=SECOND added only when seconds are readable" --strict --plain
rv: h=5 m=34
